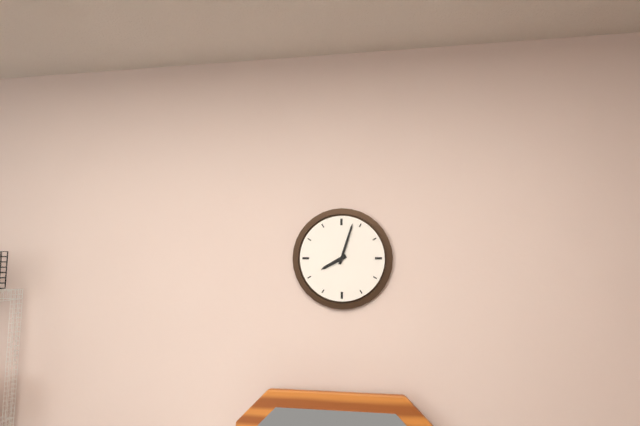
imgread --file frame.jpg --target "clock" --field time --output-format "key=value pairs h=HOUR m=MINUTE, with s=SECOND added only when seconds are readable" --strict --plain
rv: h=8 m=3
